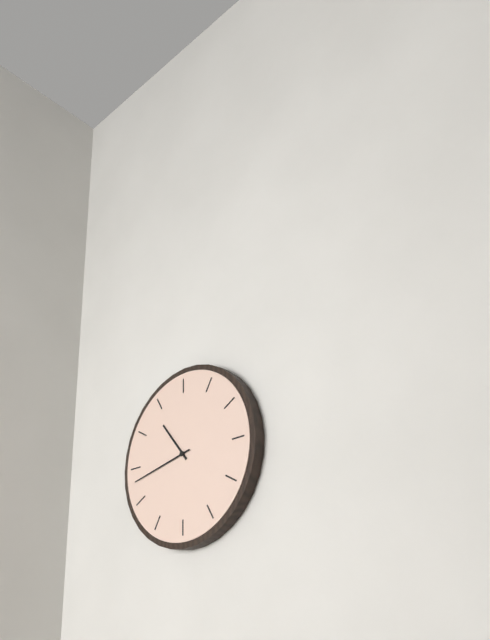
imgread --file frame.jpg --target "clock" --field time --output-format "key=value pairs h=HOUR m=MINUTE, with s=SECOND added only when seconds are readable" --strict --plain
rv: h=10 m=43
